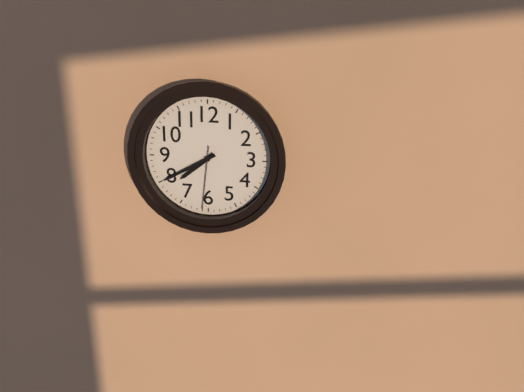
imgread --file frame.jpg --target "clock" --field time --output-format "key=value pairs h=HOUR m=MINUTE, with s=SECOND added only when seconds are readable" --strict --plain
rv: h=7 m=40 s=31
